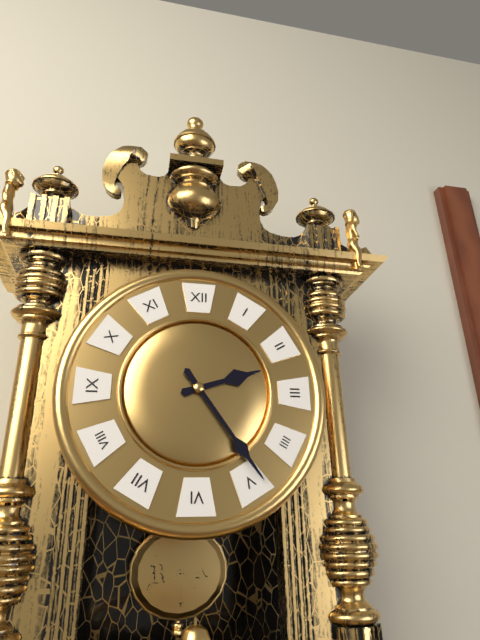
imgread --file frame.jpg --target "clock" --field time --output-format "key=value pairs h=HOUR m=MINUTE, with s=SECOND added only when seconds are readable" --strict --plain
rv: h=2 m=24
